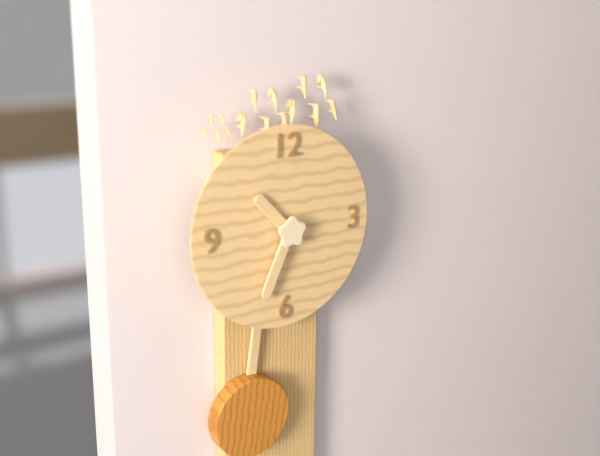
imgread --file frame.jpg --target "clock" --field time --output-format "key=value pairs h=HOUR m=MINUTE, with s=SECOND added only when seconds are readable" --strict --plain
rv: h=10 m=34
